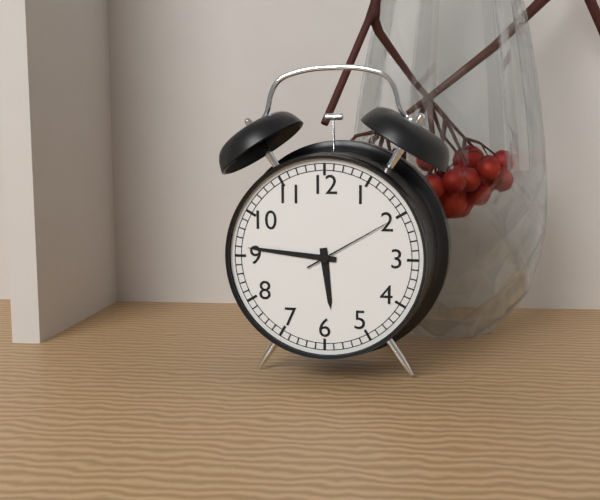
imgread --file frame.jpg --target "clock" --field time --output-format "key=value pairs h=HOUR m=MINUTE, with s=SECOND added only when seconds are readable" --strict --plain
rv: h=5 m=46 s=10
